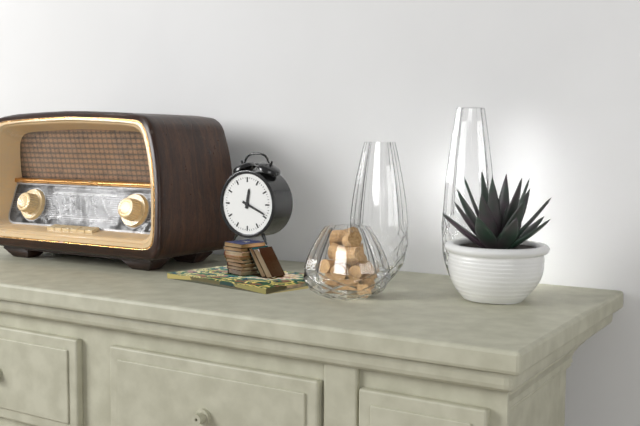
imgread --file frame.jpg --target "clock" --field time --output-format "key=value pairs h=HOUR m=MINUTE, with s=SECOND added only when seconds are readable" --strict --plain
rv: h=12 m=19
